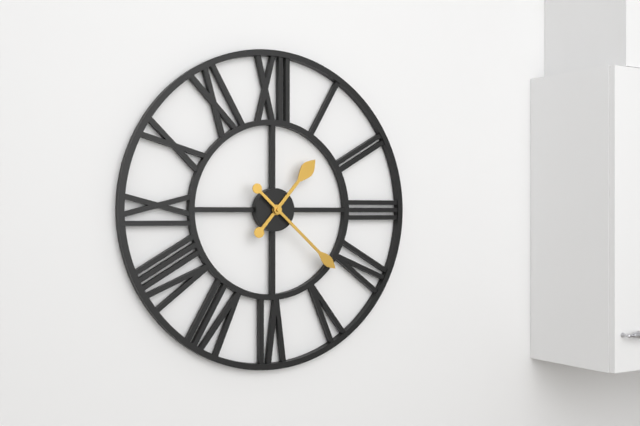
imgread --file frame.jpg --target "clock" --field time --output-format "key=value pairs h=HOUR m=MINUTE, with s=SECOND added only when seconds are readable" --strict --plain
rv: h=1 m=22
